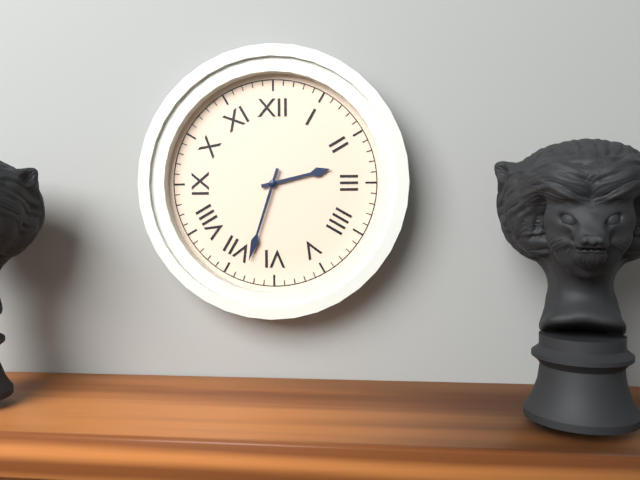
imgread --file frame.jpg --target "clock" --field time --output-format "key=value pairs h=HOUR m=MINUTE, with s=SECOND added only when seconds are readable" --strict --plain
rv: h=2 m=33
